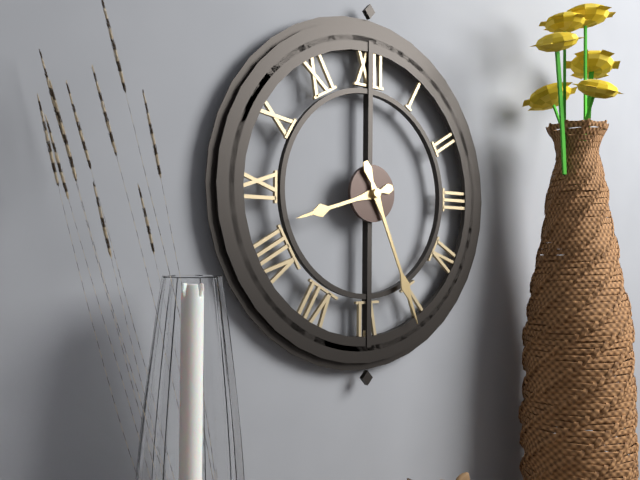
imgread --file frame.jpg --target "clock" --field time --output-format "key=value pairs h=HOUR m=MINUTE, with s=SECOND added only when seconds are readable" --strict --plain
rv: h=8 m=26
